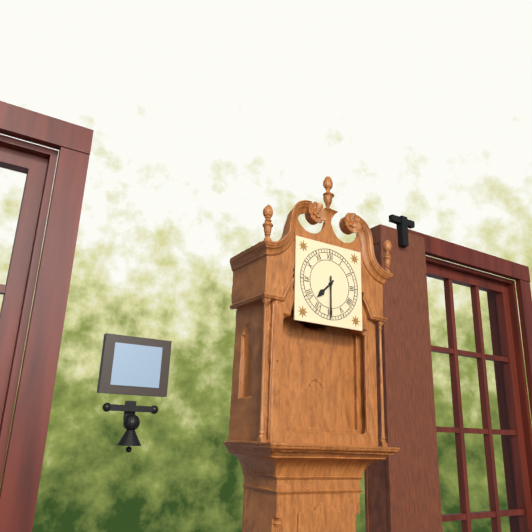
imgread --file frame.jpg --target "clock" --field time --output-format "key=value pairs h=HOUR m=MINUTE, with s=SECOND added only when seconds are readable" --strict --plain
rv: h=7 m=30
